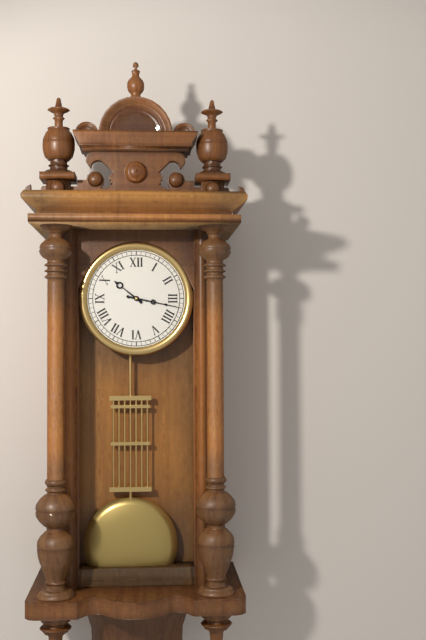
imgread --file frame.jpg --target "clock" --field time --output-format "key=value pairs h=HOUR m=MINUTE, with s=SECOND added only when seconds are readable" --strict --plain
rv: h=10 m=17
